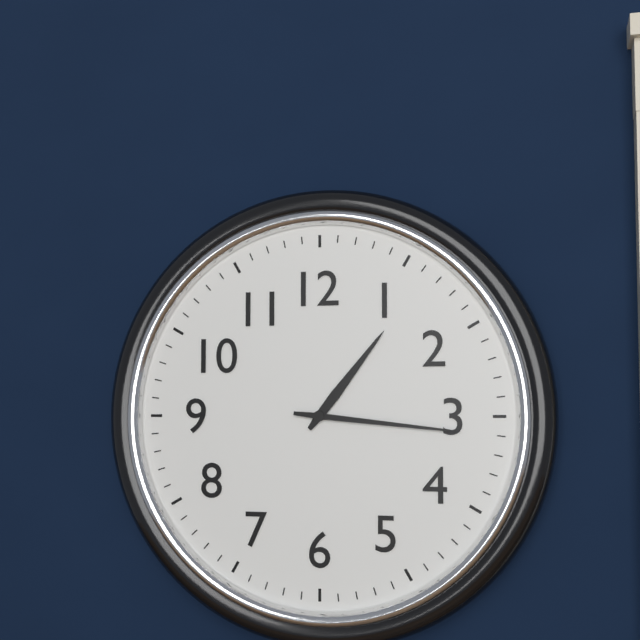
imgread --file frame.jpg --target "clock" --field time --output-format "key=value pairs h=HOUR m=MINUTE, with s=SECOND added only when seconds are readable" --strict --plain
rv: h=1 m=16
